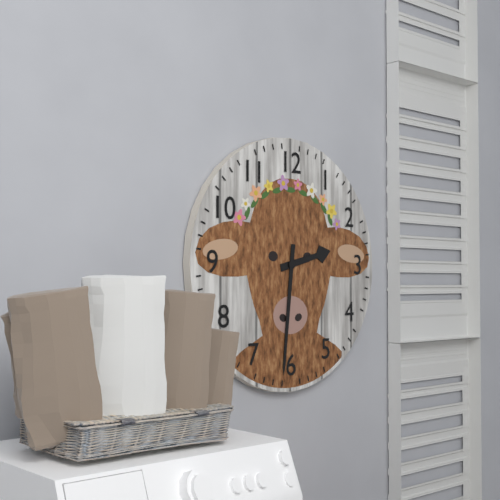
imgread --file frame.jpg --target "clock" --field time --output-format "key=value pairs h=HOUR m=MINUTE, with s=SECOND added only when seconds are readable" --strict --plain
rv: h=2 m=31
